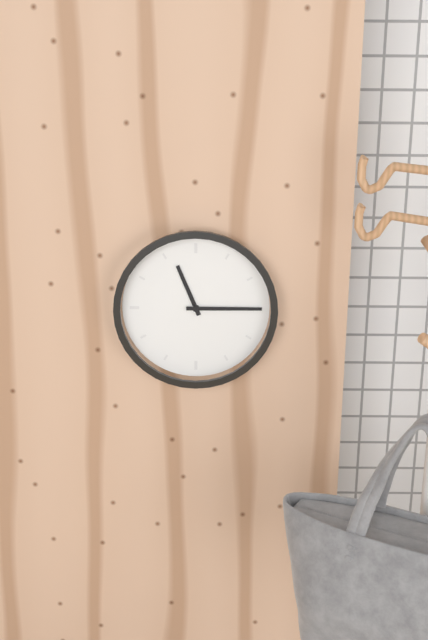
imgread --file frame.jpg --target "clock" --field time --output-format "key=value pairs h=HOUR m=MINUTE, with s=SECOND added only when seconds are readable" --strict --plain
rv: h=11 m=15
